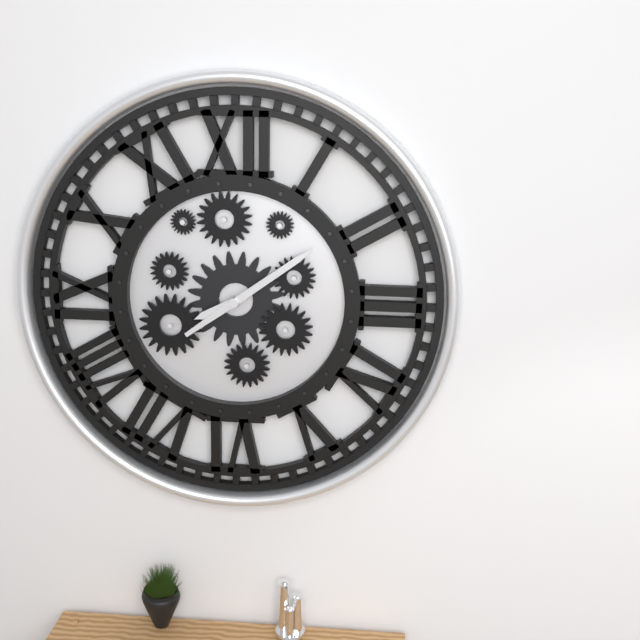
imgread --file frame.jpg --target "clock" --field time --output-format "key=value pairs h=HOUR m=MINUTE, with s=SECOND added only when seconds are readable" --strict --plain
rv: h=8 m=9
